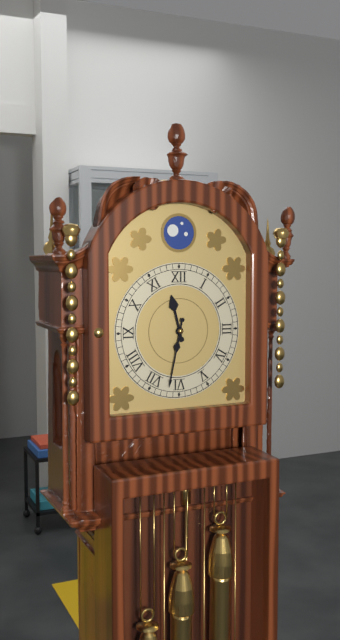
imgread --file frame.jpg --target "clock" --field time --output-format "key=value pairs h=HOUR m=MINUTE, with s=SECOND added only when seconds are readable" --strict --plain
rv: h=11 m=32
